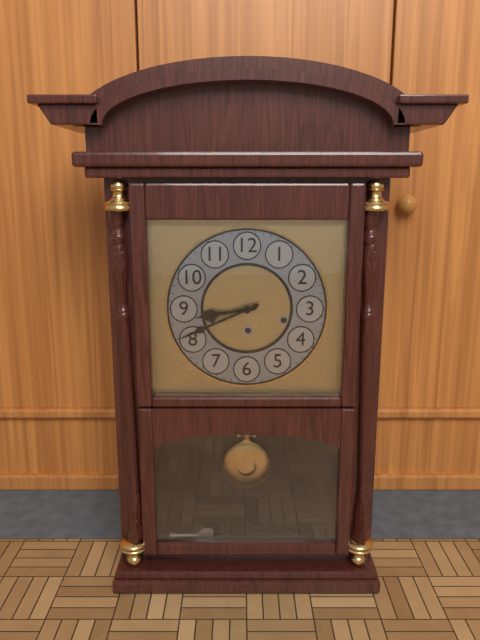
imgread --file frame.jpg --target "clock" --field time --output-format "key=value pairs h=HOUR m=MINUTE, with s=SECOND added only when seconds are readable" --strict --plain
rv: h=8 m=41
